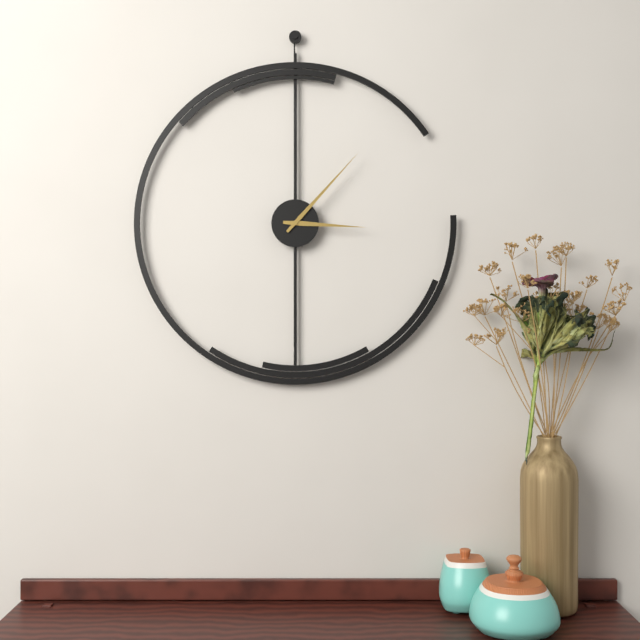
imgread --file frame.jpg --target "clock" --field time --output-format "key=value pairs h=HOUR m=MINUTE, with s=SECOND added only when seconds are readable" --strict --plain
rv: h=3 m=7
